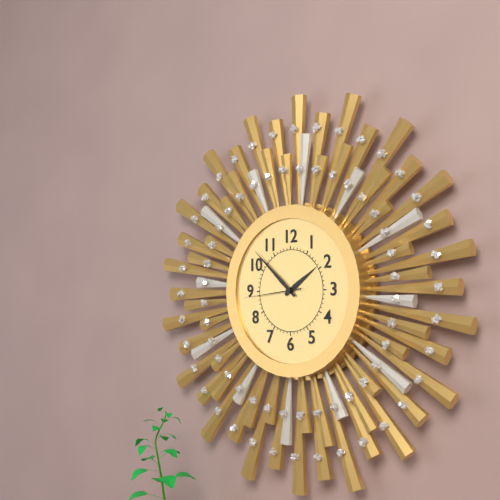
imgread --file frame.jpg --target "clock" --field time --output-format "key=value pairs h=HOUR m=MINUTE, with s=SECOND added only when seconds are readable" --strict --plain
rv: h=1 m=52 s=44
